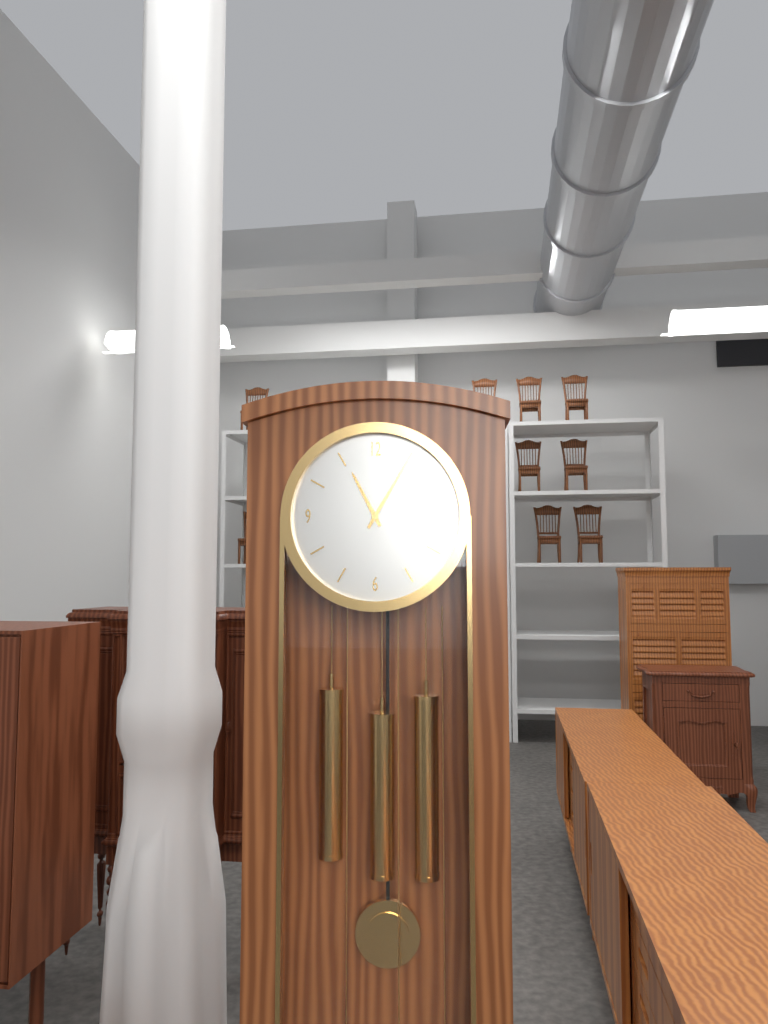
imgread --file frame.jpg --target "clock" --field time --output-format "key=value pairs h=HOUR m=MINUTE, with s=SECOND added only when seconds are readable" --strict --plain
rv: h=11 m=5
